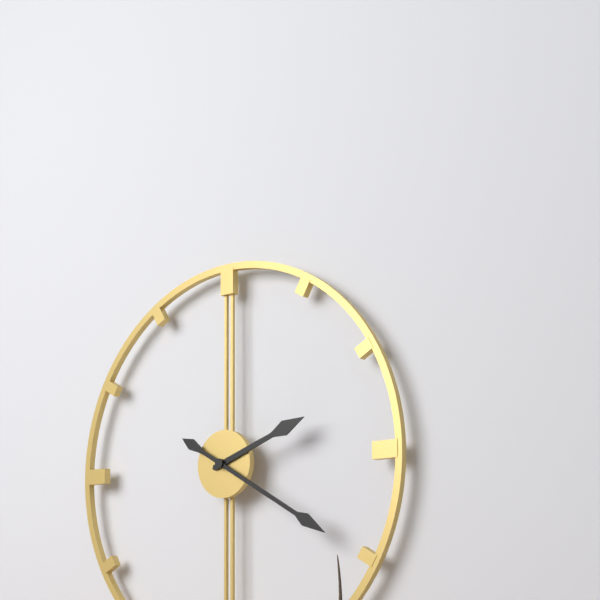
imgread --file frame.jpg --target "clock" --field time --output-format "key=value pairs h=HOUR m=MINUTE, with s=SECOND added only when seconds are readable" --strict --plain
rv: h=2 m=20
